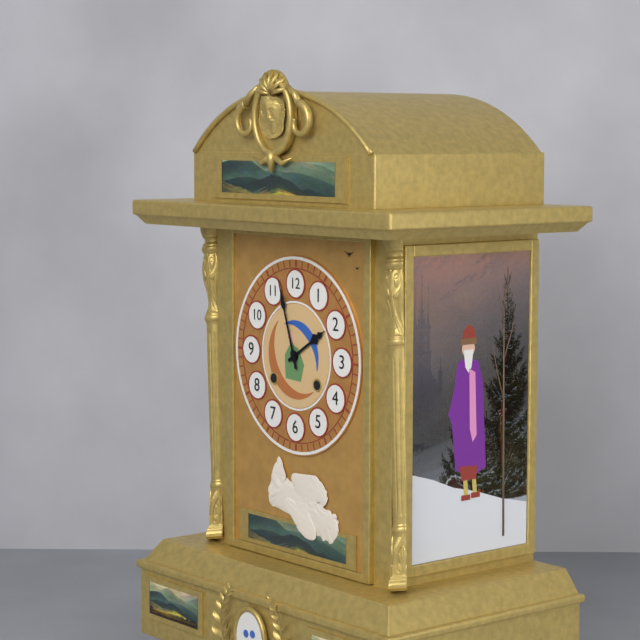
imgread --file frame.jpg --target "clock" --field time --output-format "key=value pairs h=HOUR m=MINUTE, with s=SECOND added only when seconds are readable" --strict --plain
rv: h=1 m=57
